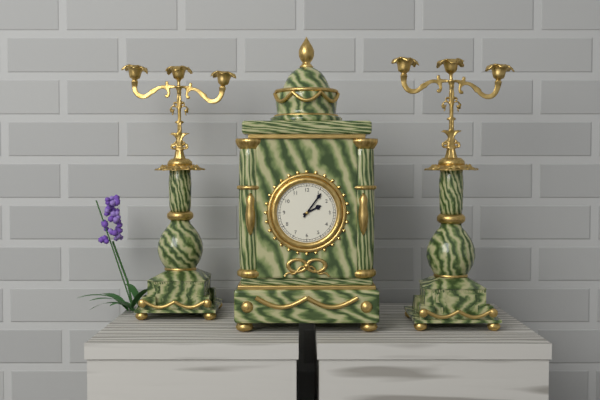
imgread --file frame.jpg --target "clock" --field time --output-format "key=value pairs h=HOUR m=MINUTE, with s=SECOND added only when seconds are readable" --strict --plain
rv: h=2 m=6
